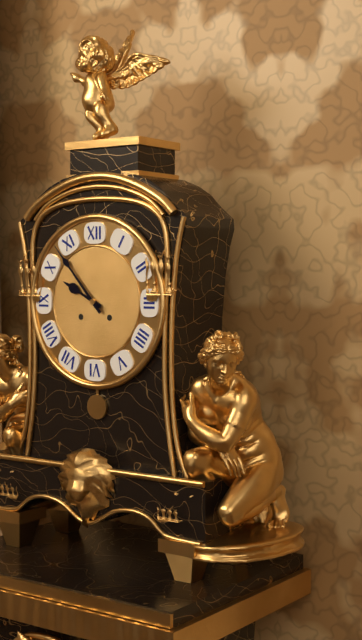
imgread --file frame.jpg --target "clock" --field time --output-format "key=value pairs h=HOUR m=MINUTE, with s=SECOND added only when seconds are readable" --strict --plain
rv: h=9 m=53
